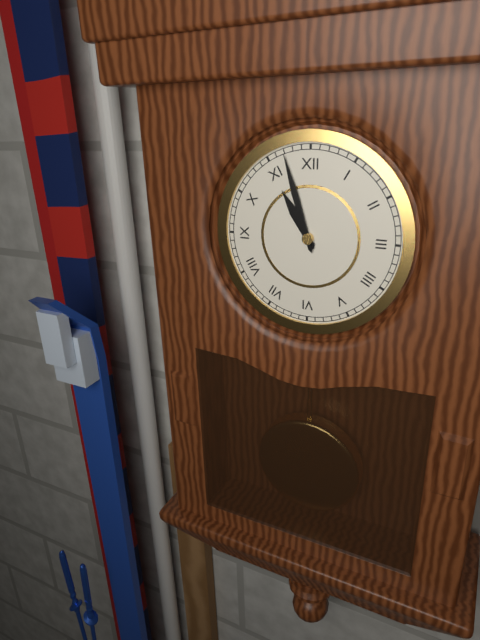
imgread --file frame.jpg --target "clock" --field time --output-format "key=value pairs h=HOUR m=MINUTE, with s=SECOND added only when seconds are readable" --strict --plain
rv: h=10 m=57
